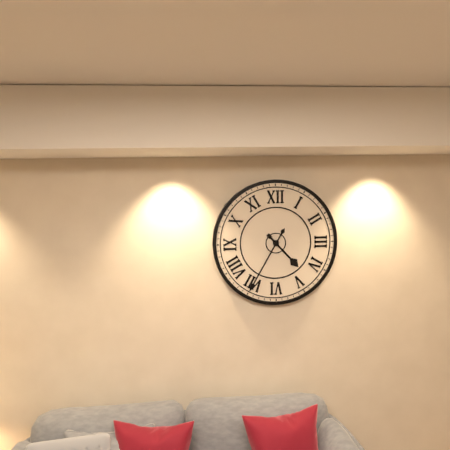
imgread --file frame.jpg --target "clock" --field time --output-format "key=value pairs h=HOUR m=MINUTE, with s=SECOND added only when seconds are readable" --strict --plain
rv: h=4 m=35
